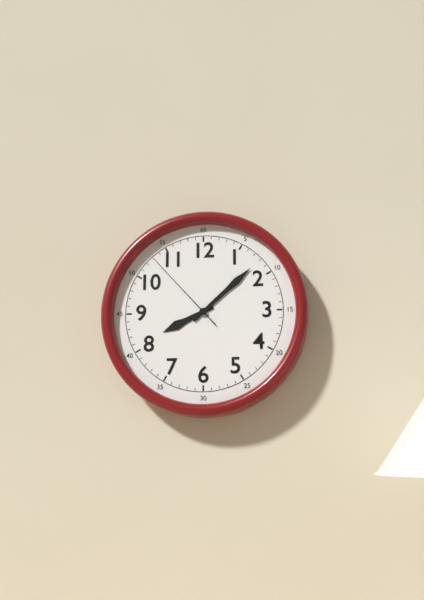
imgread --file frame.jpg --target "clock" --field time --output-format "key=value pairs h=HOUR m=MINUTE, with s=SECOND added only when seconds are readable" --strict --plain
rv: h=8 m=8 s=53
